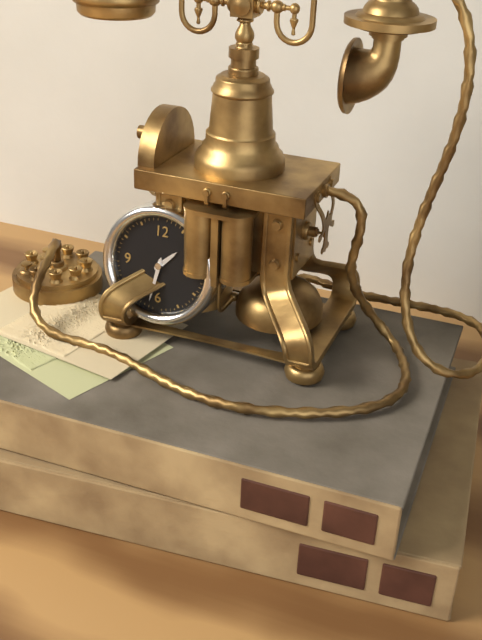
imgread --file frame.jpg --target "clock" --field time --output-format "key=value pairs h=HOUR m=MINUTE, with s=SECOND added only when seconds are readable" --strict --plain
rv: h=1 m=32
